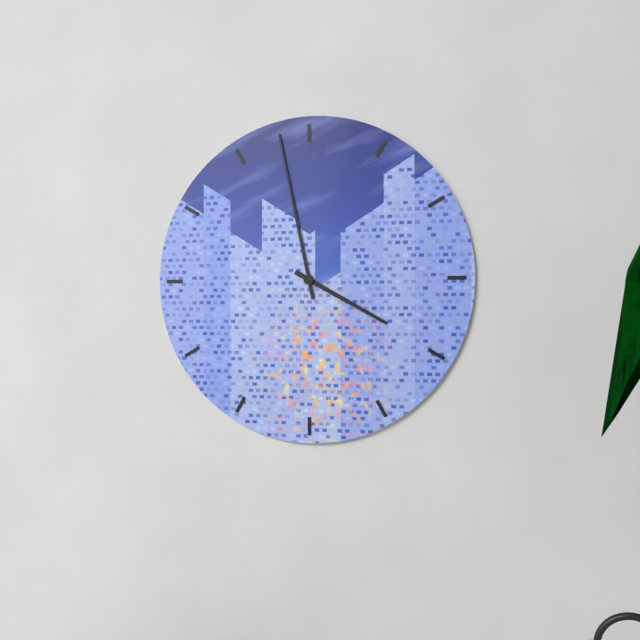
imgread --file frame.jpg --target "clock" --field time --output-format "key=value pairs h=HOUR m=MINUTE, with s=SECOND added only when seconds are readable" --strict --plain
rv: h=3 m=58
